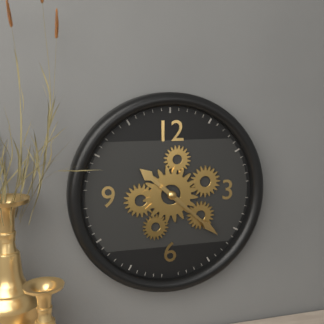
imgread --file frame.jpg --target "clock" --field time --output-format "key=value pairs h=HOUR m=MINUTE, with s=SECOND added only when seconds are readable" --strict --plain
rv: h=10 m=22
